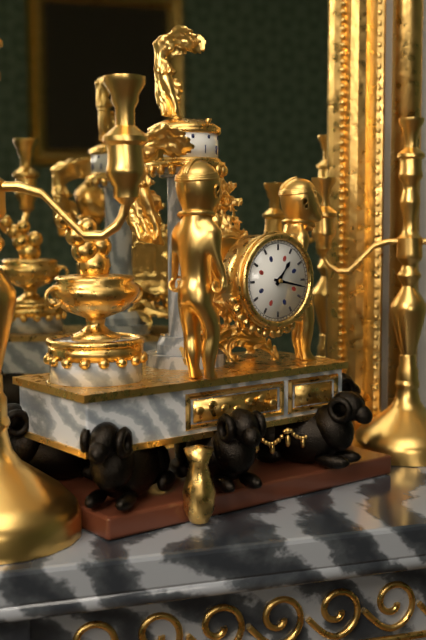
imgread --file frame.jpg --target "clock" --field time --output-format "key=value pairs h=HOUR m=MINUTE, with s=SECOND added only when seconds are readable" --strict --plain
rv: h=1 m=17
